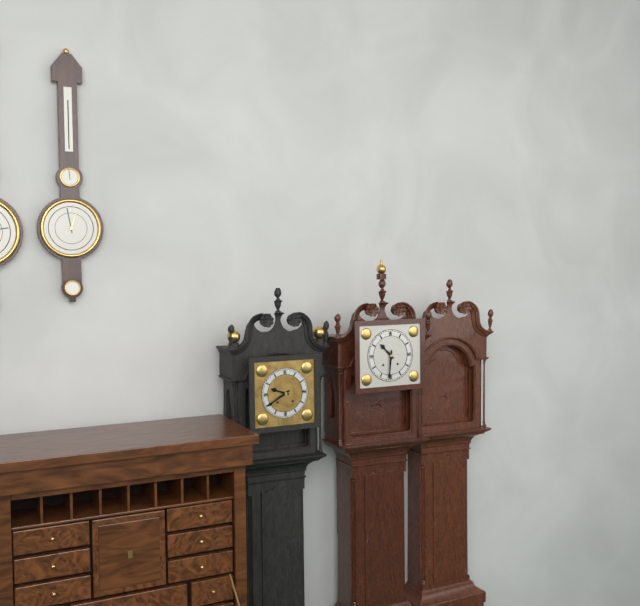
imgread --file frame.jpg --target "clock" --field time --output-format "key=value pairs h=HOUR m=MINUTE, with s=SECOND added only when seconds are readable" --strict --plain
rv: h=10 m=31
